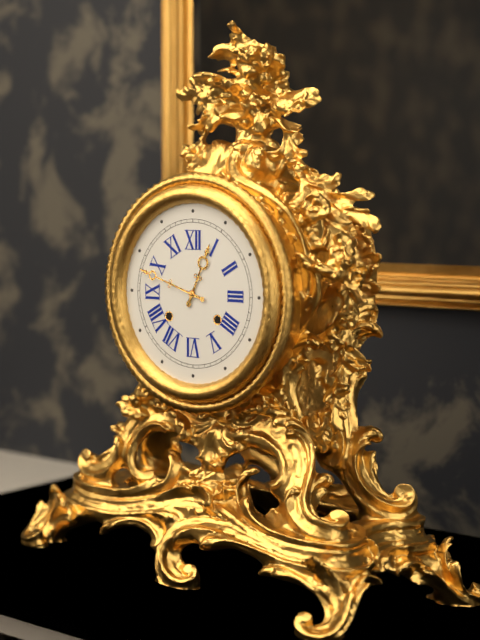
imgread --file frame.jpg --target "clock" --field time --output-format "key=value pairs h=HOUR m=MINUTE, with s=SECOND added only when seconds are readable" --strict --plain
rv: h=12 m=48
